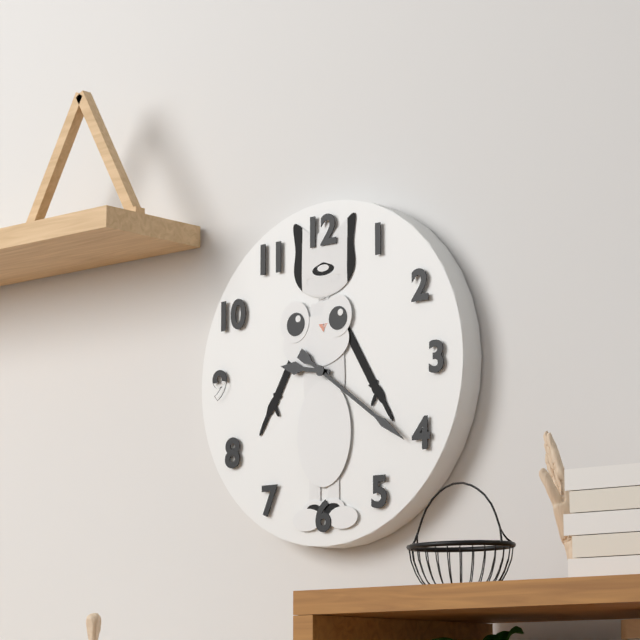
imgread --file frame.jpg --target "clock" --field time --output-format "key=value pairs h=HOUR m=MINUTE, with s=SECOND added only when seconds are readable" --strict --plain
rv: h=9 m=21
